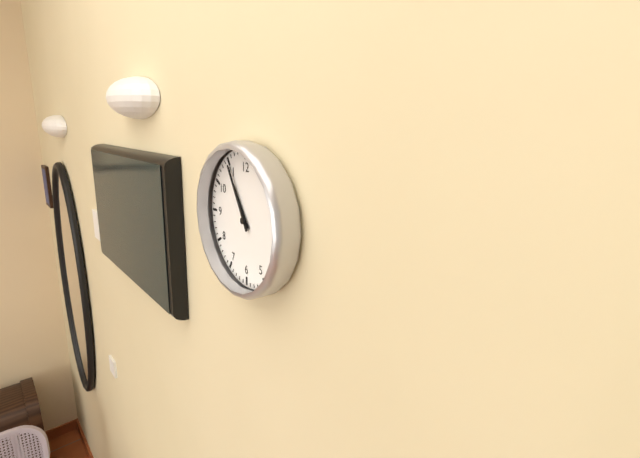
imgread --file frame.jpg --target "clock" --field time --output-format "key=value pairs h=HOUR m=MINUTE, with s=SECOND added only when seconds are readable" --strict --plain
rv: h=10 m=55
